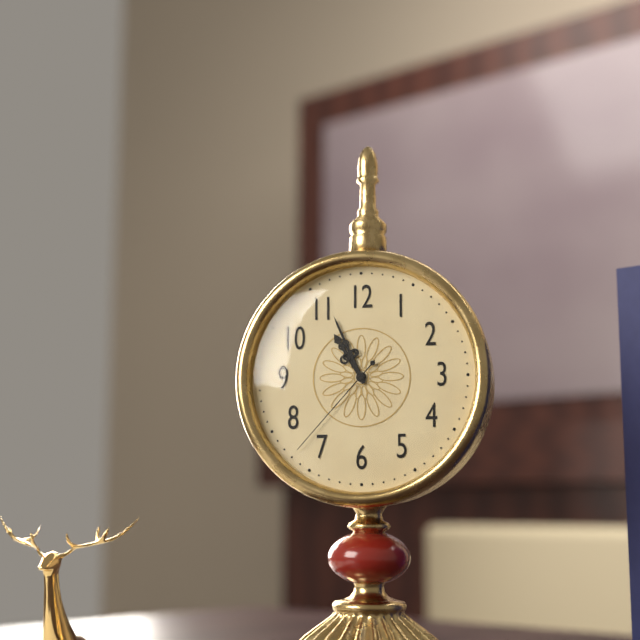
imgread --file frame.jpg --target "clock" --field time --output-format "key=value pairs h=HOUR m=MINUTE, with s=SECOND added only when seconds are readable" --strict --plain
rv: h=10 m=56 s=37
